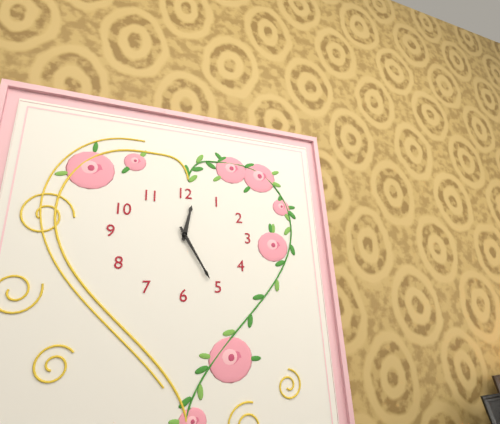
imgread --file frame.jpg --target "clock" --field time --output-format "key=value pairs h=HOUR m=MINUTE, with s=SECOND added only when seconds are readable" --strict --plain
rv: h=12 m=25
